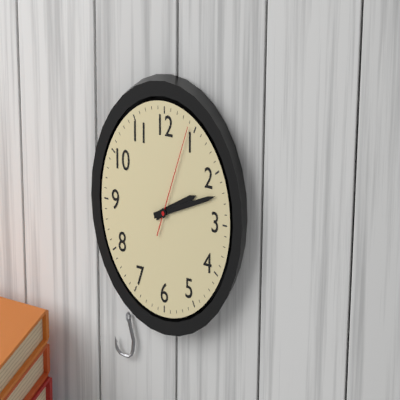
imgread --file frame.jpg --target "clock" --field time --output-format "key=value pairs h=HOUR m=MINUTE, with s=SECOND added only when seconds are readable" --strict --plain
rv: h=2 m=12 s=4
